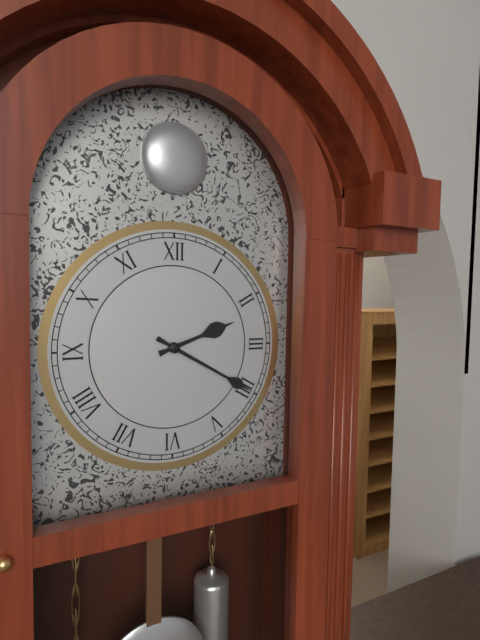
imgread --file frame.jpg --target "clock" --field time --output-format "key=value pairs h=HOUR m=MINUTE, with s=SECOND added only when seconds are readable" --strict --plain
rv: h=2 m=20
